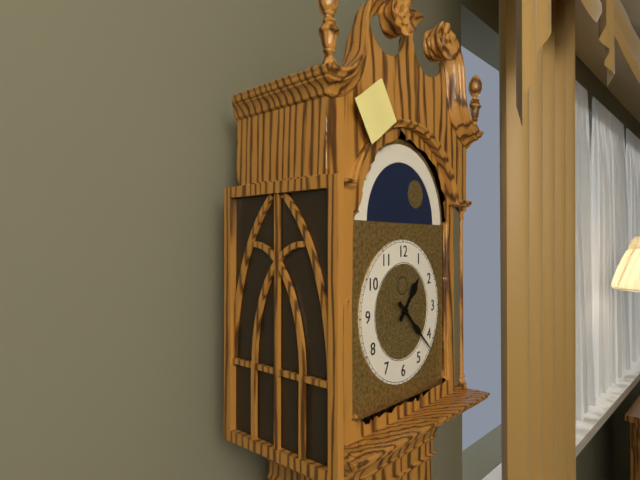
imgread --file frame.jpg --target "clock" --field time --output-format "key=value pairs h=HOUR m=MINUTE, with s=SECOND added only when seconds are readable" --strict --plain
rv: h=1 m=22
